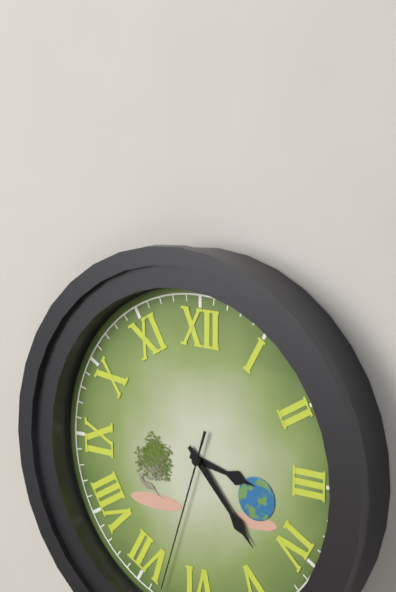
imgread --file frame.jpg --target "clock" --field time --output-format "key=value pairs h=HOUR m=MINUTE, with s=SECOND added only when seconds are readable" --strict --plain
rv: h=3 m=23 s=33
